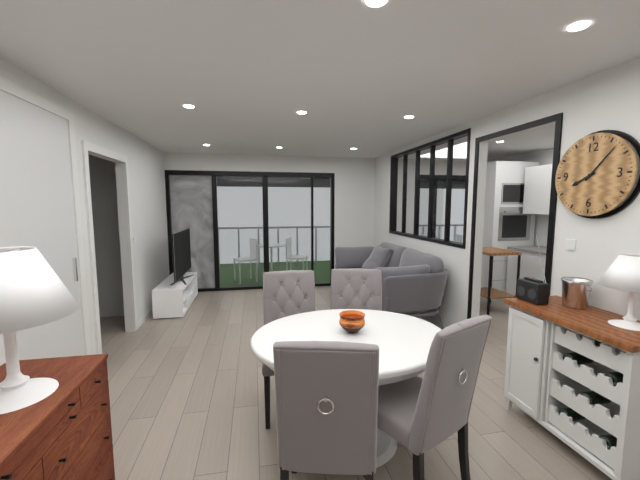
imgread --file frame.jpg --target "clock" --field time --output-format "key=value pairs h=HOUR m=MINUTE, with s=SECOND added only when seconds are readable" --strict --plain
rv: h=8 m=7
